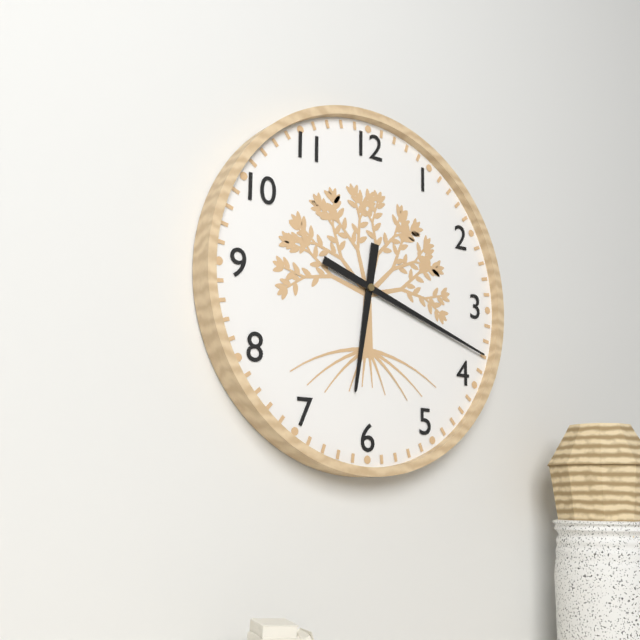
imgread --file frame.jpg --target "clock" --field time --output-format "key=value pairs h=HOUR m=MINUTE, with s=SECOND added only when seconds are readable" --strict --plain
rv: h=6 m=18
